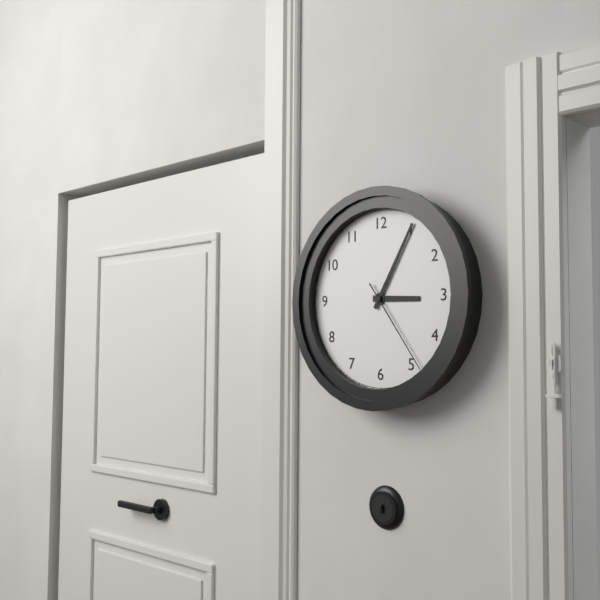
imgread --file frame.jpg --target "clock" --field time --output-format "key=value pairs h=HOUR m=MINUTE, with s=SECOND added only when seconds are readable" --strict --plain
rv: h=3 m=5 s=24
